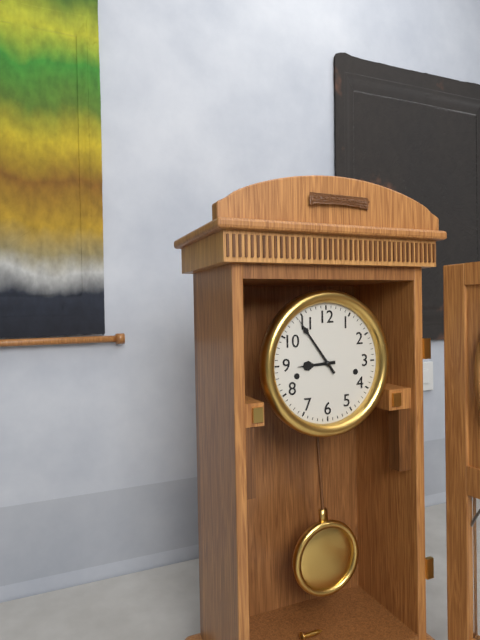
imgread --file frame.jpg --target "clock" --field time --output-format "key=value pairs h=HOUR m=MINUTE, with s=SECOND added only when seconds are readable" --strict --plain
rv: h=8 m=54
